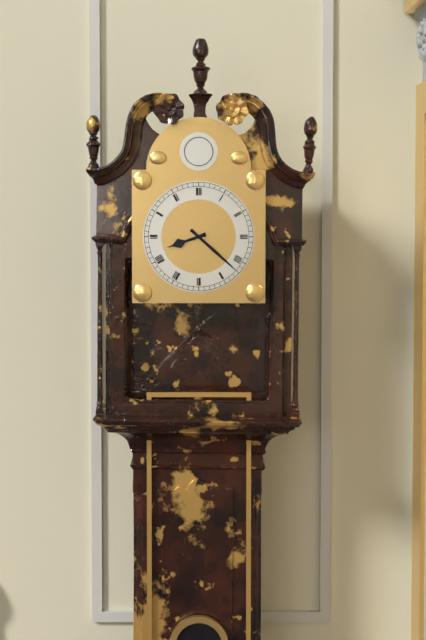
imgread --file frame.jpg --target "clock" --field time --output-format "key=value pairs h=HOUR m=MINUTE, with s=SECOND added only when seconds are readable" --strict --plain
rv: h=8 m=22
